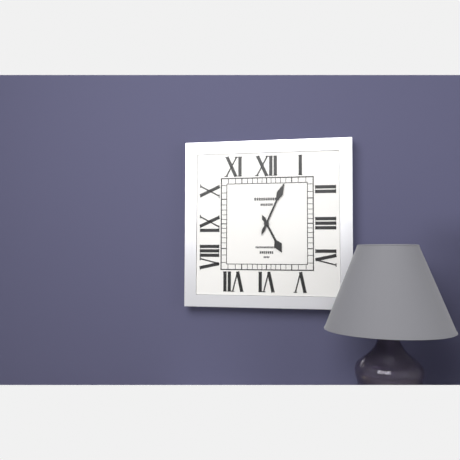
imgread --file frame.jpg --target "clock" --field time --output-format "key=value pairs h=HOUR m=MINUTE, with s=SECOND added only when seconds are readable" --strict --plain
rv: h=5 m=4
